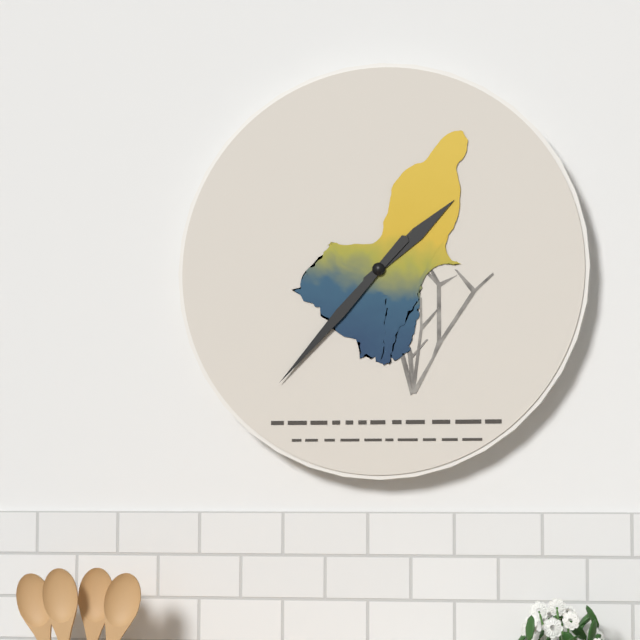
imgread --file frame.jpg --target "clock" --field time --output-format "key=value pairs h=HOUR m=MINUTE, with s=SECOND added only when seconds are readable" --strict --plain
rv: h=1 m=37
